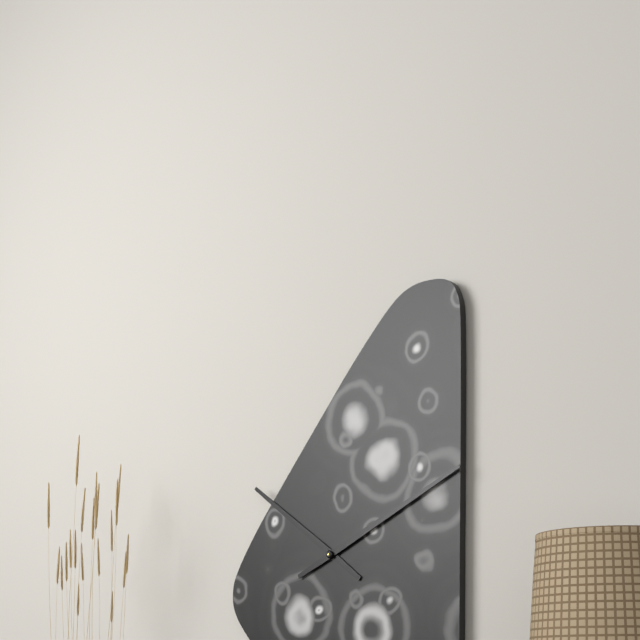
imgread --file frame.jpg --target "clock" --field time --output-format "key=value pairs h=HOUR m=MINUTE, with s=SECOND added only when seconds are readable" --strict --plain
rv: h=10 m=11
